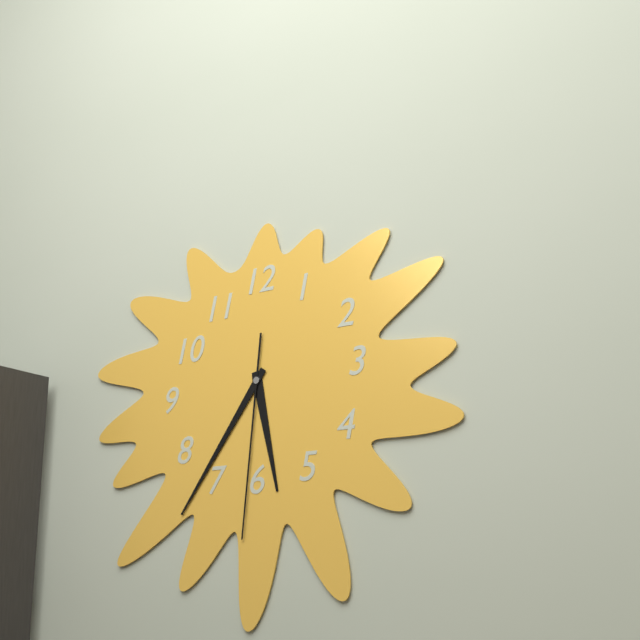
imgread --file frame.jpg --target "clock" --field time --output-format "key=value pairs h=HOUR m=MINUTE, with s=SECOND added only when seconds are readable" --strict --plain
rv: h=5 m=36 s=31
